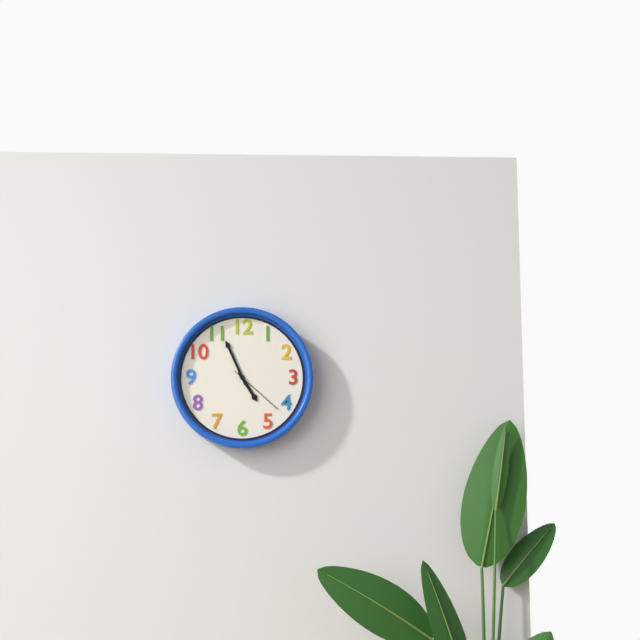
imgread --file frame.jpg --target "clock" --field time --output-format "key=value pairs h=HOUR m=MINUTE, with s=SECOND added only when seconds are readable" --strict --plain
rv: h=4 m=56 s=22
